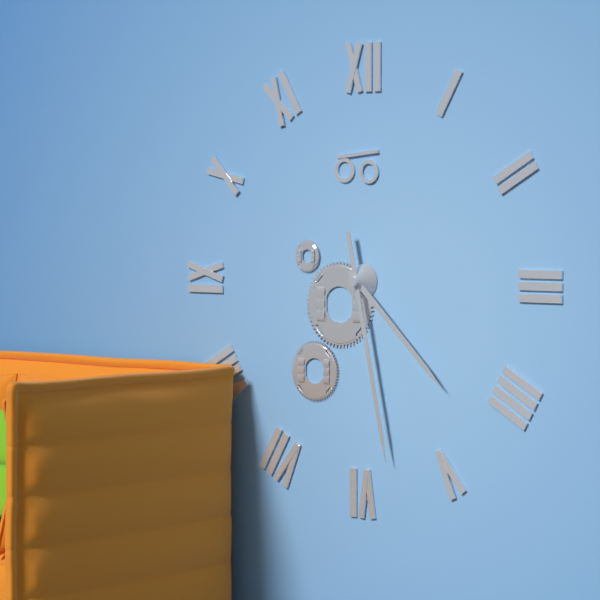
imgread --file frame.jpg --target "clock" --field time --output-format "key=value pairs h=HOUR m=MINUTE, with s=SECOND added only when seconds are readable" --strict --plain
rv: h=4 m=28
